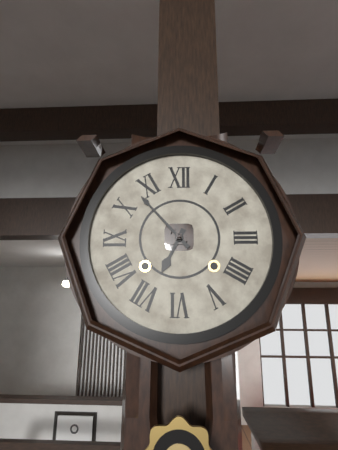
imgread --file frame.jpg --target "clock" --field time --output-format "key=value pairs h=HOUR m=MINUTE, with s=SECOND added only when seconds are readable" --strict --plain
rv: h=6 m=53
